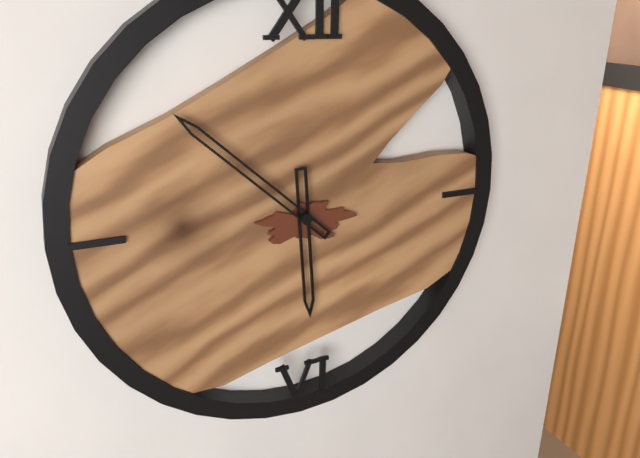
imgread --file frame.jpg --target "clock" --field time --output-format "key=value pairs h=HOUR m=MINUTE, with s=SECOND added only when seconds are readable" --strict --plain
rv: h=5 m=52
